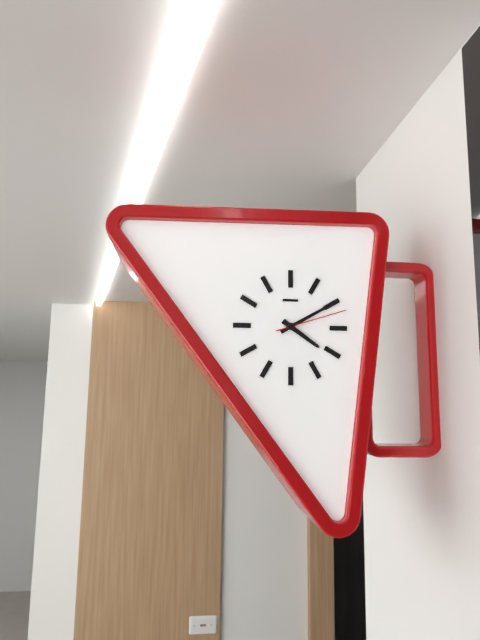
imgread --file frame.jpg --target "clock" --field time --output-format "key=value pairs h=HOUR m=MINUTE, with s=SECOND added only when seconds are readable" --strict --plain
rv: h=4 m=10 s=12
